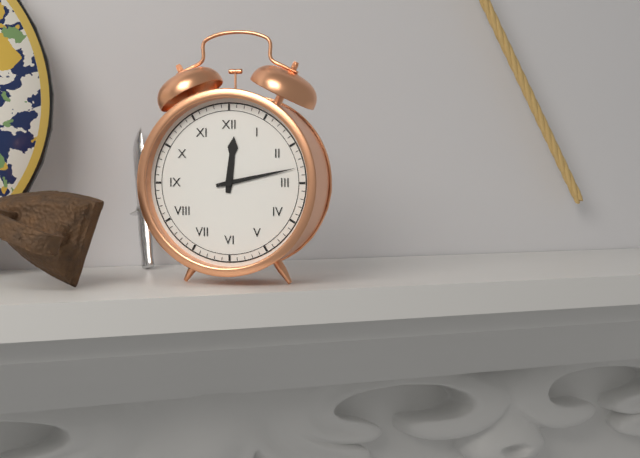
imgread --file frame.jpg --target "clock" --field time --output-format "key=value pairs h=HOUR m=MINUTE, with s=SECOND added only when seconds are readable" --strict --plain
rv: h=12 m=13
